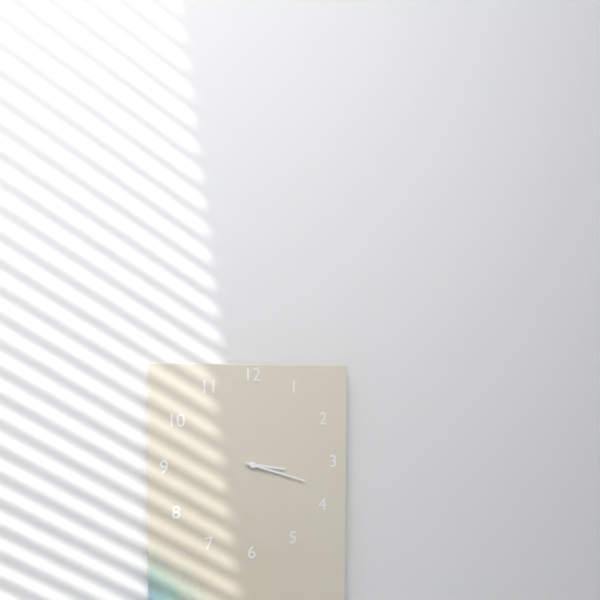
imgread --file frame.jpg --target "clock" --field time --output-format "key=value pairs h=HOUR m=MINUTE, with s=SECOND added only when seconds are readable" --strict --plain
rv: h=3 m=18
